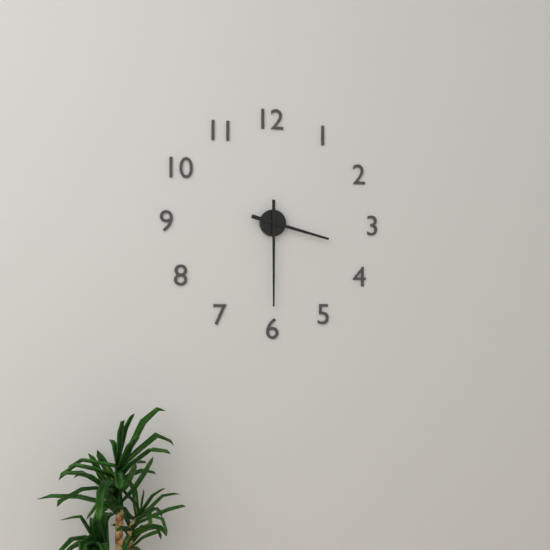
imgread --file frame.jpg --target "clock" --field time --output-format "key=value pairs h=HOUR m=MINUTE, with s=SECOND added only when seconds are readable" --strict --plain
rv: h=3 m=30
